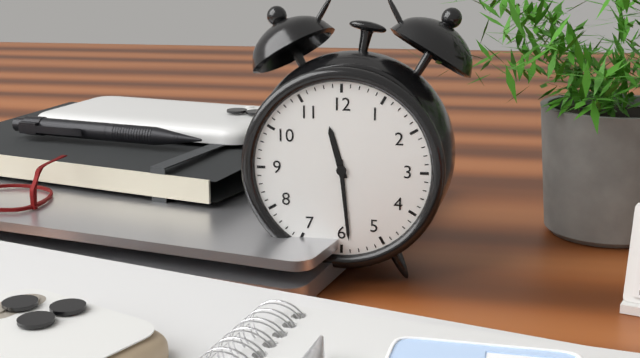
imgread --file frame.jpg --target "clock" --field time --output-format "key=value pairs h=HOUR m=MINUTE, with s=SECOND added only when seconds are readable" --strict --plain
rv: h=11 m=29
